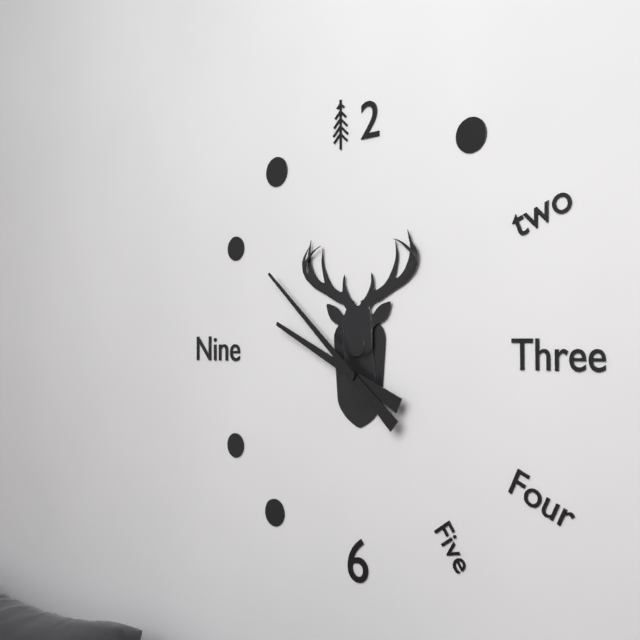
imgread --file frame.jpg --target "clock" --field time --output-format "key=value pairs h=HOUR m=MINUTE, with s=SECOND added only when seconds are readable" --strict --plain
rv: h=9 m=52
